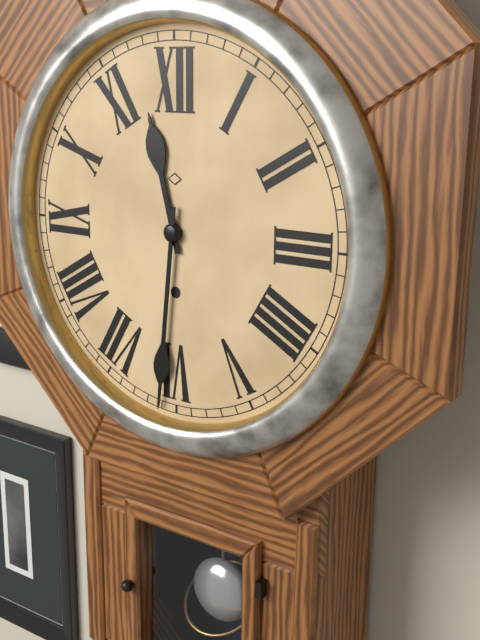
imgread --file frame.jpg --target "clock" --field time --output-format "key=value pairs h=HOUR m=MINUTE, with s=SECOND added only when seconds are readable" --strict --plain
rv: h=11 m=31
